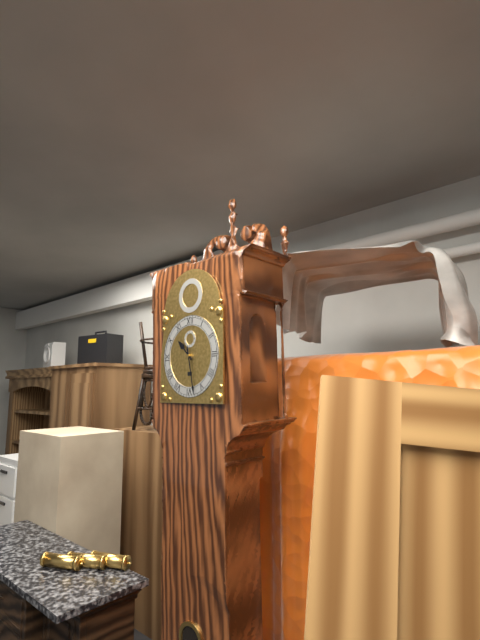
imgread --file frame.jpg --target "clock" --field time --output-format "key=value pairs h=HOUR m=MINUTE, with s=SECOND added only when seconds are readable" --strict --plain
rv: h=10 m=28
